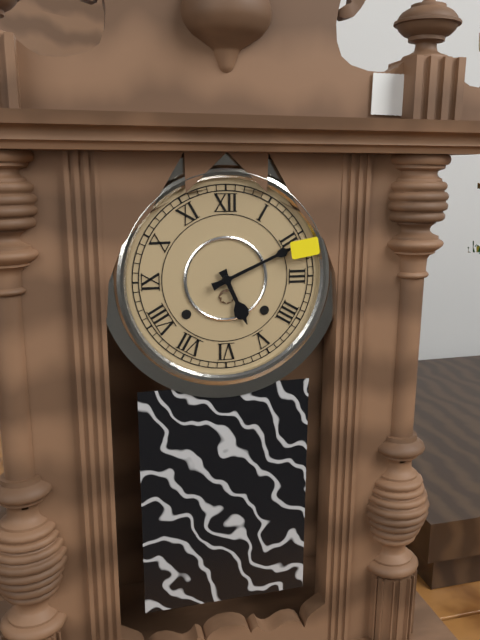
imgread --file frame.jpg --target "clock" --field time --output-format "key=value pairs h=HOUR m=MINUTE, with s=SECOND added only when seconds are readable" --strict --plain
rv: h=5 m=11
